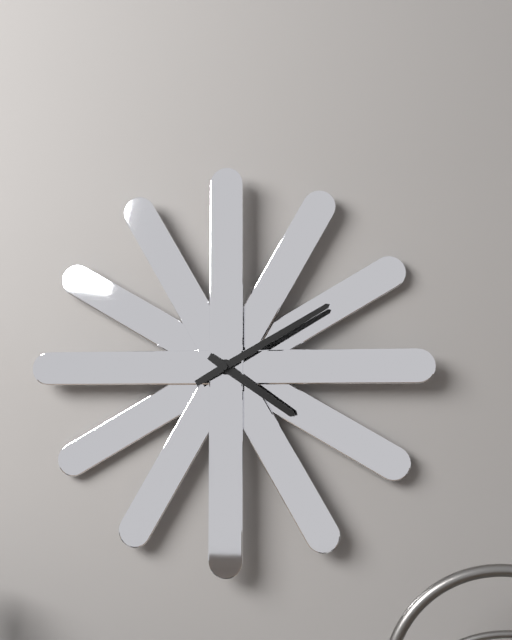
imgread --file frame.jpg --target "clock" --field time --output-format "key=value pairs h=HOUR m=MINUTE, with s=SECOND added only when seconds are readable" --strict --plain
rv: h=4 m=10
